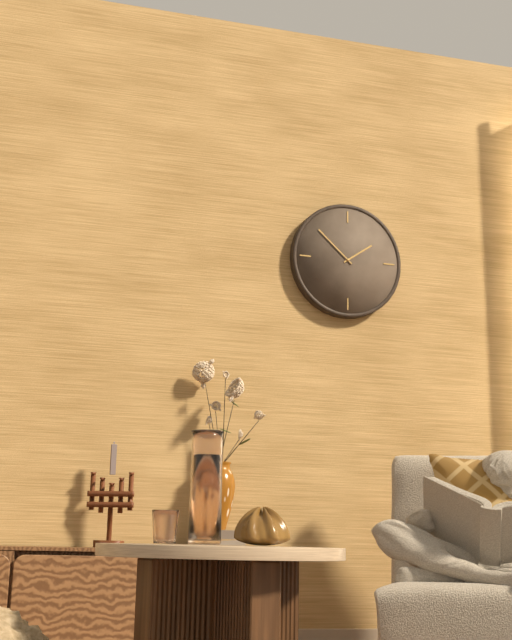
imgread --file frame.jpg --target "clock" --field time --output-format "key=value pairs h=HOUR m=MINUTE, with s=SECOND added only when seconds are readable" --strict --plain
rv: h=1 m=52
